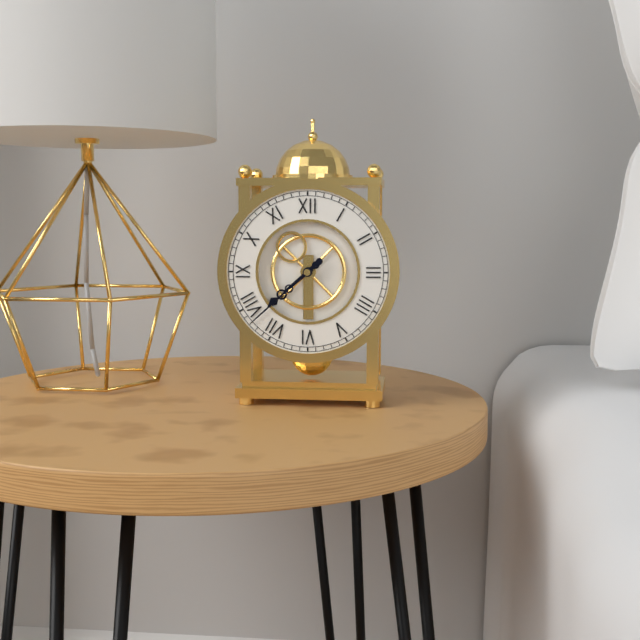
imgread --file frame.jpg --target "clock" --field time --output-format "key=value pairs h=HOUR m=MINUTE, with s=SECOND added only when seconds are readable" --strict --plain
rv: h=7 m=38
